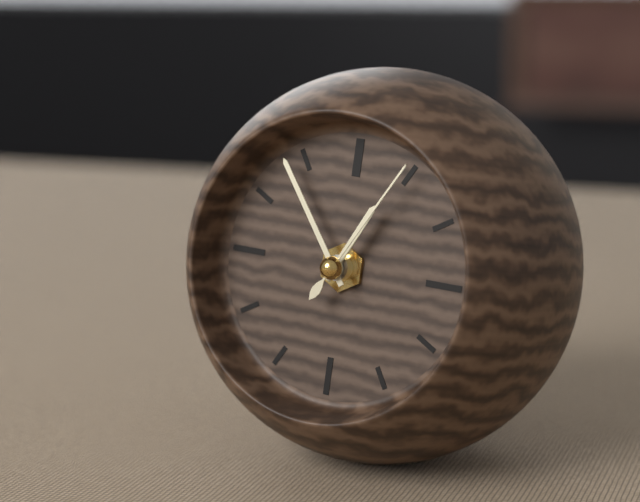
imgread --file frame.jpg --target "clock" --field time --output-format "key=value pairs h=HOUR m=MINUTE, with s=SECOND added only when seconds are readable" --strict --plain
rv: h=12 m=54 s=5
